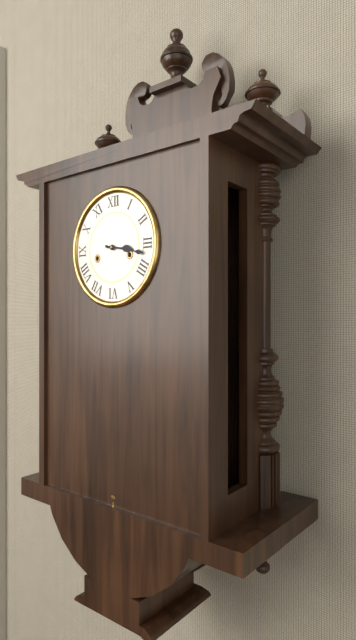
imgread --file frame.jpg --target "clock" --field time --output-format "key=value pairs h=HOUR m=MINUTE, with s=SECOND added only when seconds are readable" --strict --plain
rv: h=3 m=17
